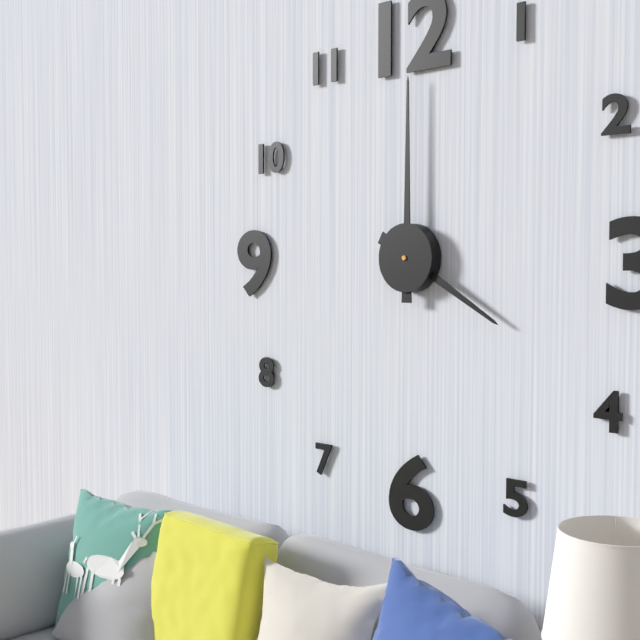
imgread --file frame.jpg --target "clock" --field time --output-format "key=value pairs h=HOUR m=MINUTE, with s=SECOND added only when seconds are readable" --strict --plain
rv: h=4 m=0
